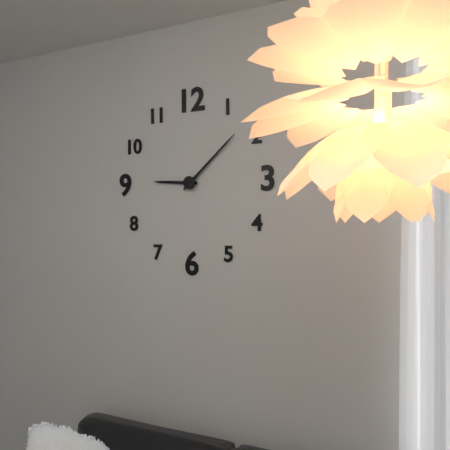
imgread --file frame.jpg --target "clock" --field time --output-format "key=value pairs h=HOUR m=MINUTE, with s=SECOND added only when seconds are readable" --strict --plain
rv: h=9 m=8
